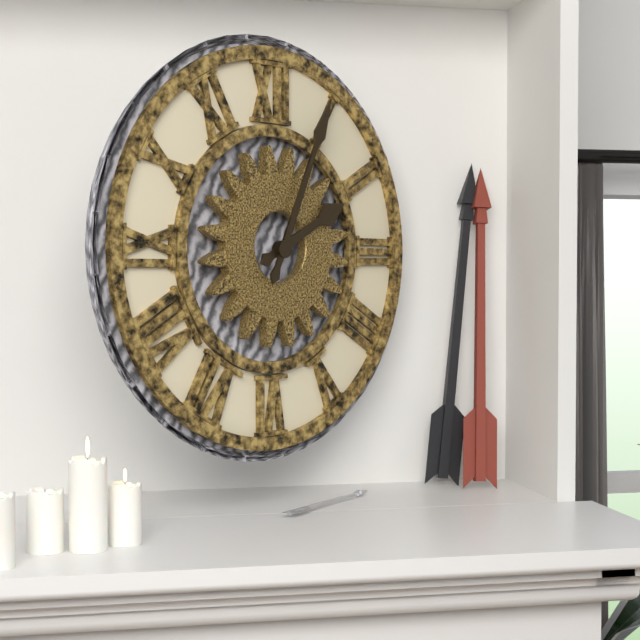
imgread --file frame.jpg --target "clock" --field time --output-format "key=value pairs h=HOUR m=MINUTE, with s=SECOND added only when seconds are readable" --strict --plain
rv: h=2 m=4
